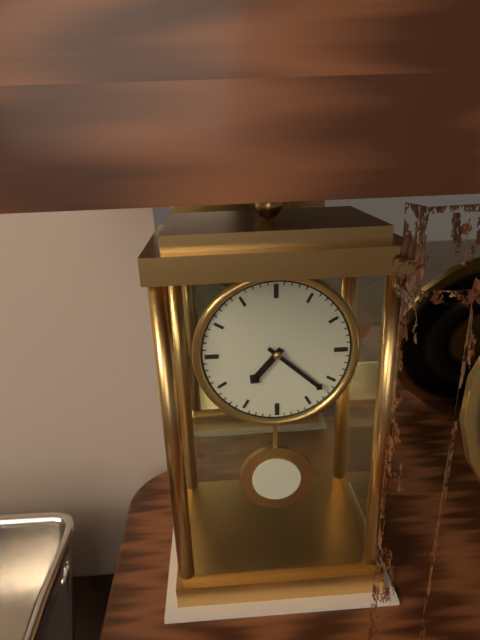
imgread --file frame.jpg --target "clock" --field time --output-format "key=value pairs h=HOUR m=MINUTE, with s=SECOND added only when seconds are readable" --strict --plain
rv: h=7 m=22
